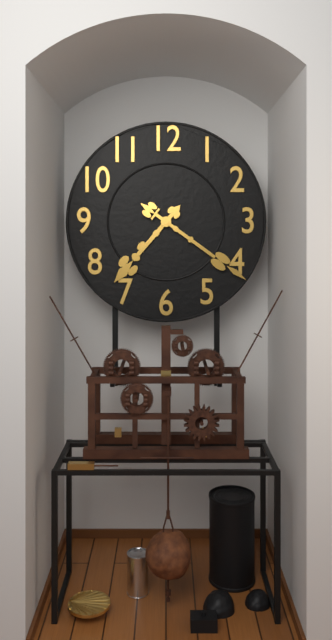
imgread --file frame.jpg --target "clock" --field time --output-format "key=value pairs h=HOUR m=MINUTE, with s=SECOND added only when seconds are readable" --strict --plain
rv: h=7 m=21
